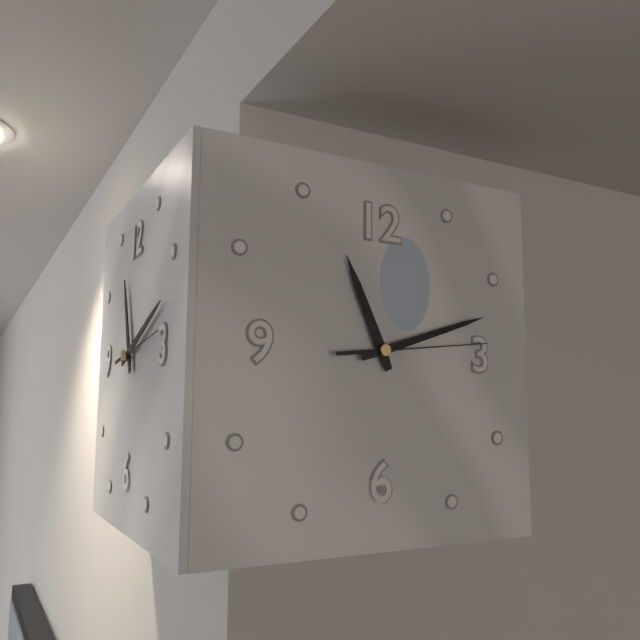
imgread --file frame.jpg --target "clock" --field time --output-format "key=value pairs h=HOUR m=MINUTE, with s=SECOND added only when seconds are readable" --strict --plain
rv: h=11 m=12 s=14
